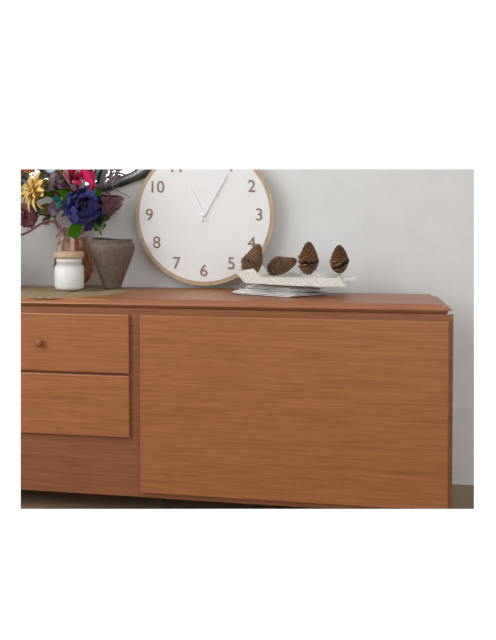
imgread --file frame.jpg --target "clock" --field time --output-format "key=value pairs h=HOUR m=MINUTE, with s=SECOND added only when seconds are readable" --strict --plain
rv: h=11 m=5
